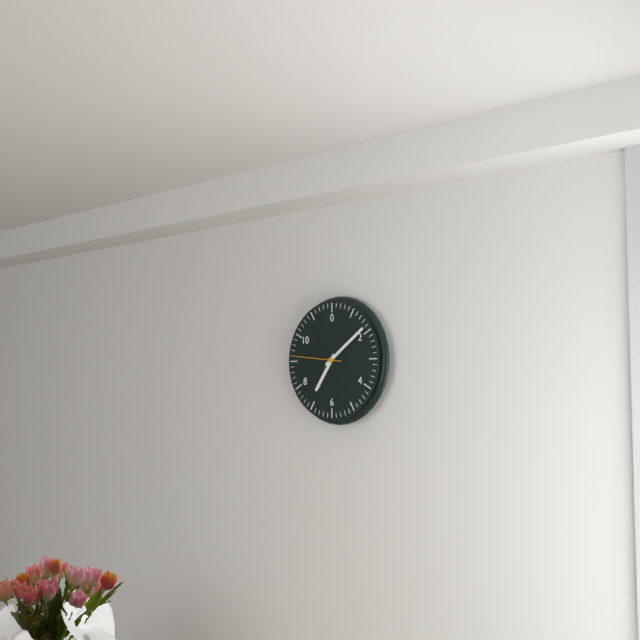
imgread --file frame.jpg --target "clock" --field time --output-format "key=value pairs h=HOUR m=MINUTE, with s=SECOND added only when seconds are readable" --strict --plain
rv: h=7 m=9 s=46
